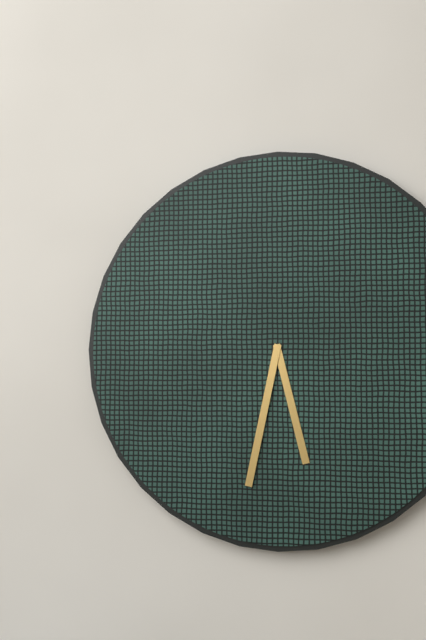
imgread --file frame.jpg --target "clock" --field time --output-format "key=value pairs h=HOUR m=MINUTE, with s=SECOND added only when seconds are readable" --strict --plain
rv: h=5 m=32
